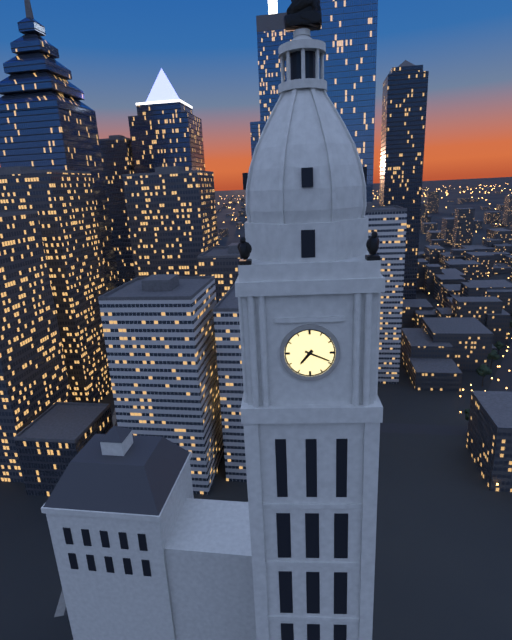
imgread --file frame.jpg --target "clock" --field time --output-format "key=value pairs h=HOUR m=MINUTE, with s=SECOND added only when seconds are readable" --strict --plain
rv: h=7 m=19
